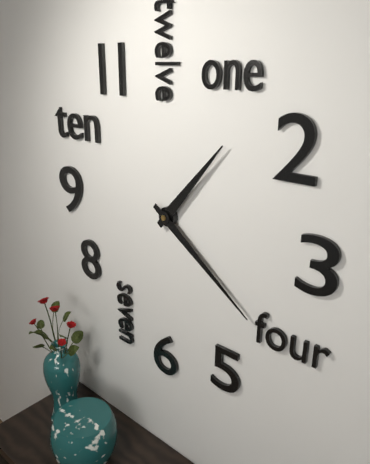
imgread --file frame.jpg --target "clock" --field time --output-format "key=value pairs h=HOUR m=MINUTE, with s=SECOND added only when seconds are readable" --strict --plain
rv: h=1 m=21
